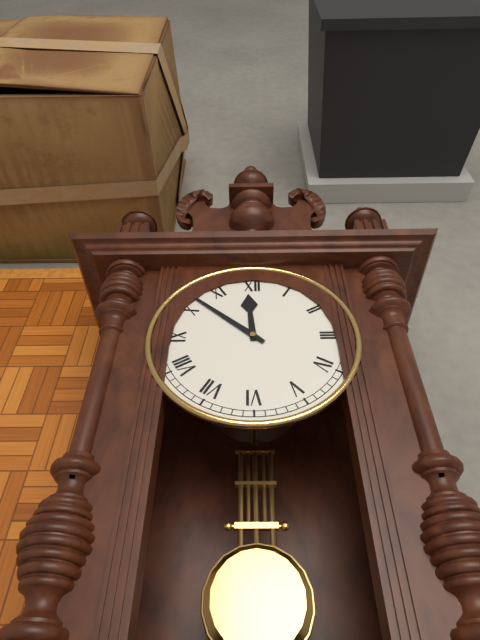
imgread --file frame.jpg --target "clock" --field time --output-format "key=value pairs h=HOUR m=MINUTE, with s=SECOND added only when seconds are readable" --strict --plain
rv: h=11 m=52
